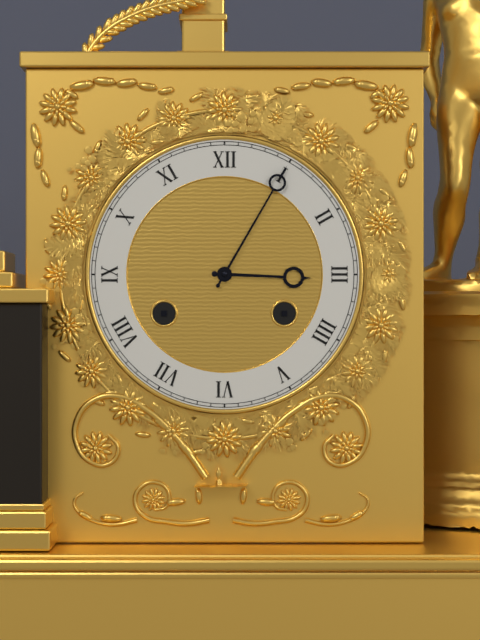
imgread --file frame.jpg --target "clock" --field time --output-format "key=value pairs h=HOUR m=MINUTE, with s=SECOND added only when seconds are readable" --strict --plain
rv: h=3 m=5
